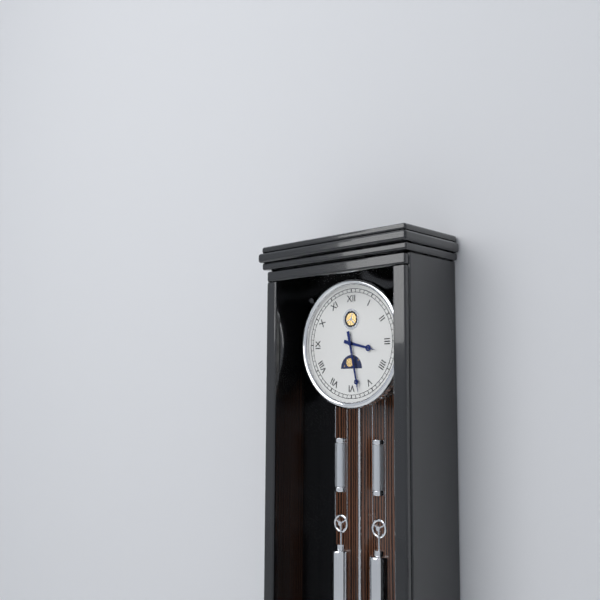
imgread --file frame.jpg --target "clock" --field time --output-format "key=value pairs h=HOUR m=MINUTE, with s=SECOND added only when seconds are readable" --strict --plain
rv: h=3 m=28
